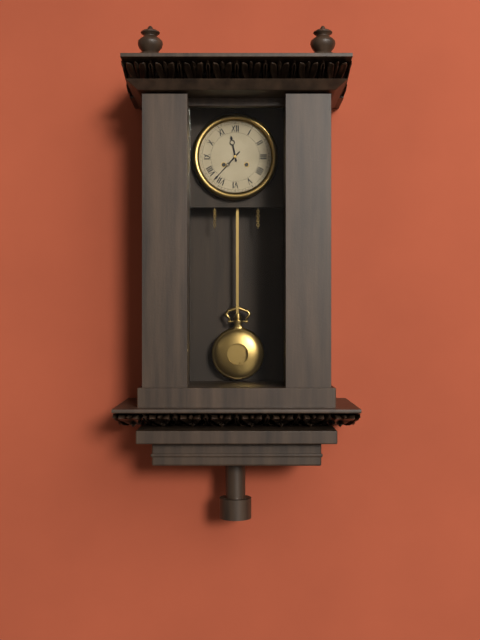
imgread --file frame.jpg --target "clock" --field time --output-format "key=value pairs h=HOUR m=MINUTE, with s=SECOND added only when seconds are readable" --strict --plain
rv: h=11 m=37
